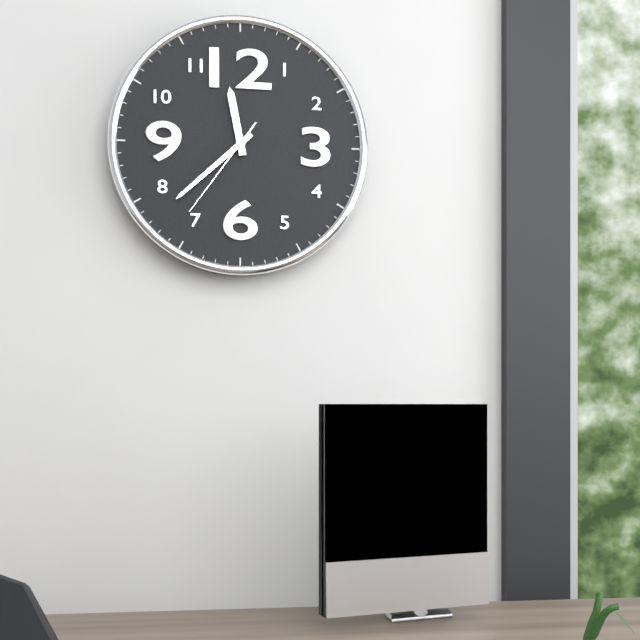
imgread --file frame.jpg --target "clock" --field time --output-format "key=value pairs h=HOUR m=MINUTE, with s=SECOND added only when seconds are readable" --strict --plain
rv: h=11 m=38 s=36
